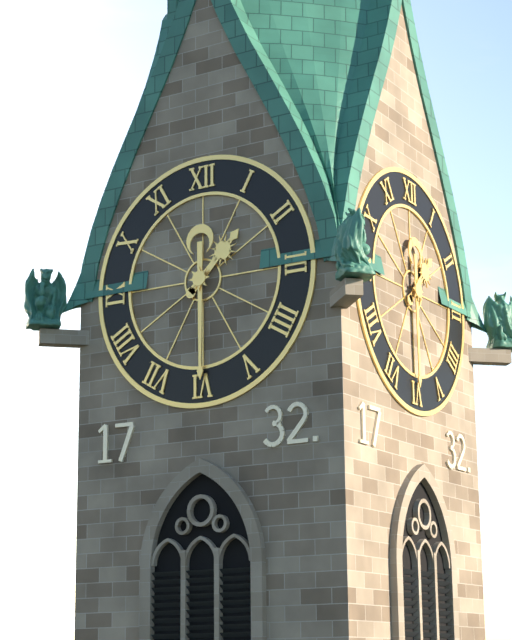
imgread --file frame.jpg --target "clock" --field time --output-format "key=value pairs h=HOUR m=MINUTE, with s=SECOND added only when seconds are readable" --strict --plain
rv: h=1 m=30
